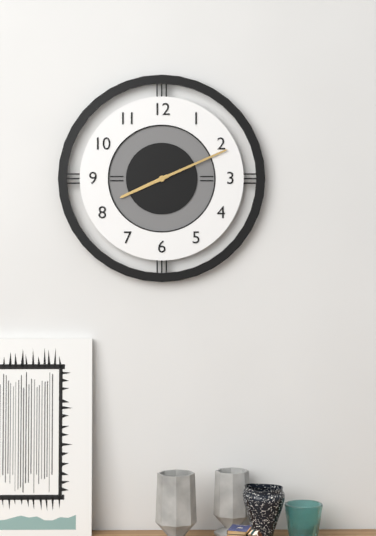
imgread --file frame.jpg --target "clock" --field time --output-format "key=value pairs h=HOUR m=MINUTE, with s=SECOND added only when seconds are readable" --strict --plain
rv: h=8 m=11
